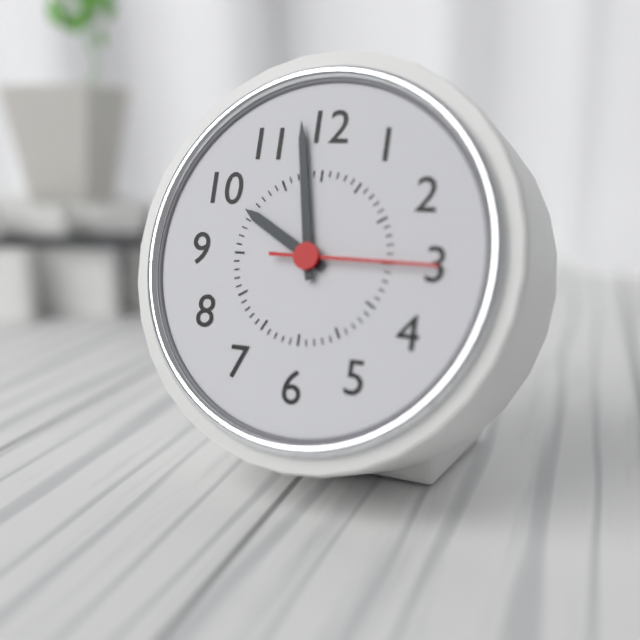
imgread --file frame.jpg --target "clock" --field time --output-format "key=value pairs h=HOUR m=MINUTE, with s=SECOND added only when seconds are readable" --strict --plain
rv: h=9 m=58 s=15
